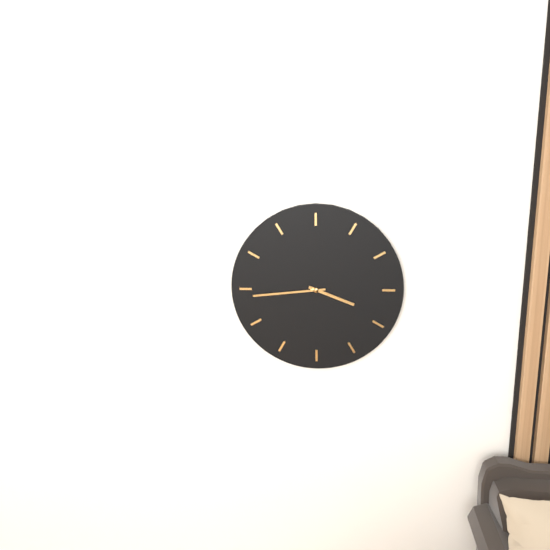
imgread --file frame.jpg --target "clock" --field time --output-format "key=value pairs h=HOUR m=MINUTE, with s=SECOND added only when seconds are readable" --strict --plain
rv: h=3 m=44
